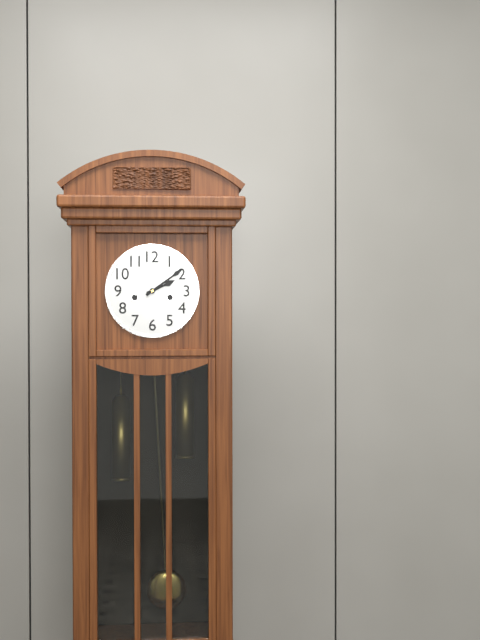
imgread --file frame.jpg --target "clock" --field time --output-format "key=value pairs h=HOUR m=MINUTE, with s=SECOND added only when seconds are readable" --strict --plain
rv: h=2 m=9
